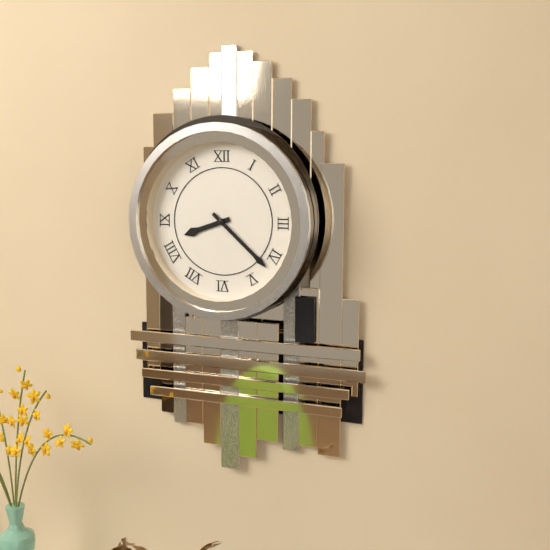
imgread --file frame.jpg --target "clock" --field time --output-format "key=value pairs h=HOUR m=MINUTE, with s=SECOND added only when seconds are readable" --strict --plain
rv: h=8 m=22
